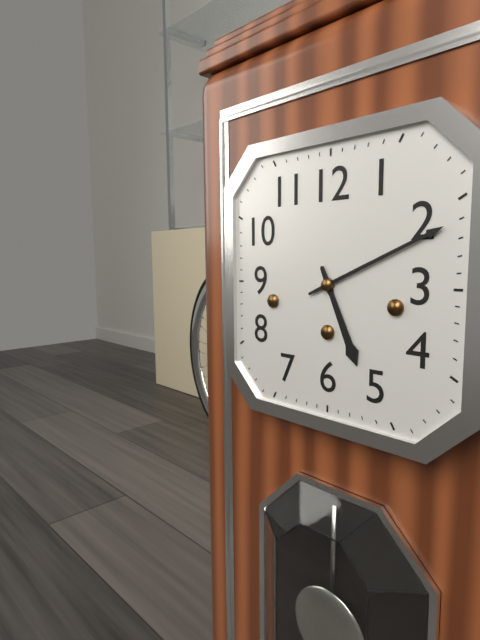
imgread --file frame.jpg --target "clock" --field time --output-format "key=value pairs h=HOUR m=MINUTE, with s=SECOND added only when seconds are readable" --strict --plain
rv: h=5 m=11
